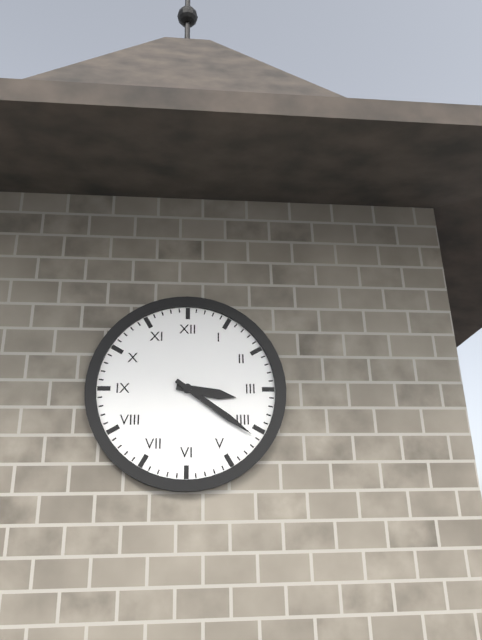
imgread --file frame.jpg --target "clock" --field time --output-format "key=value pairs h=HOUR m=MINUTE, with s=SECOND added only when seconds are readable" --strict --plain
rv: h=3 m=21
